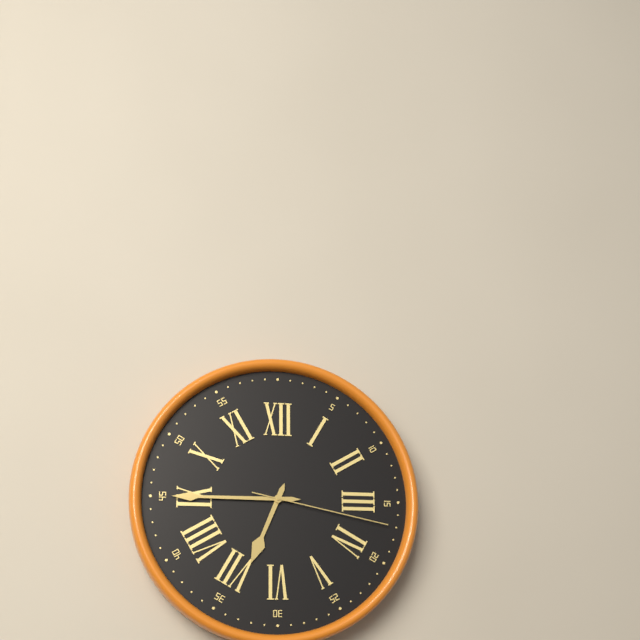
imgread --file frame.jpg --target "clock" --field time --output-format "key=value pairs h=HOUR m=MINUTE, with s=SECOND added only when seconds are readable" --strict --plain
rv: h=6 m=45 s=17
